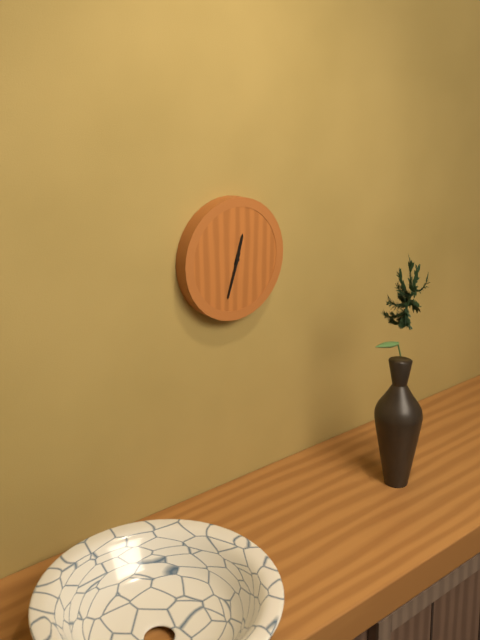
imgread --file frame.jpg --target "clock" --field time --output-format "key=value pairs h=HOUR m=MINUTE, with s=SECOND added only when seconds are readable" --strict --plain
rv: h=12 m=33
